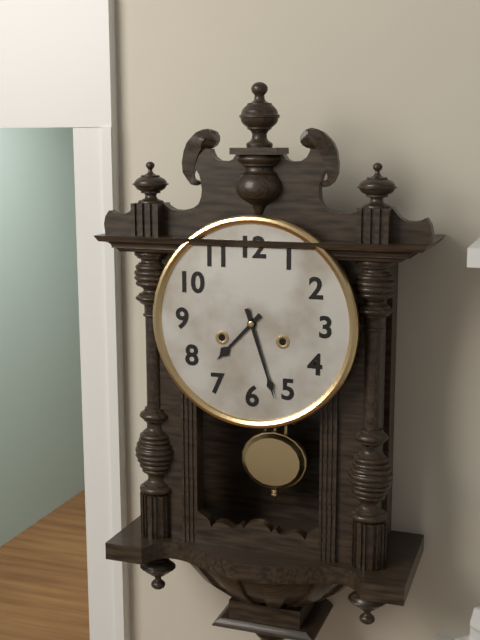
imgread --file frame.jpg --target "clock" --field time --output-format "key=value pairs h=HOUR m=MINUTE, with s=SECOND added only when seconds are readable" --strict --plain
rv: h=7 m=27
